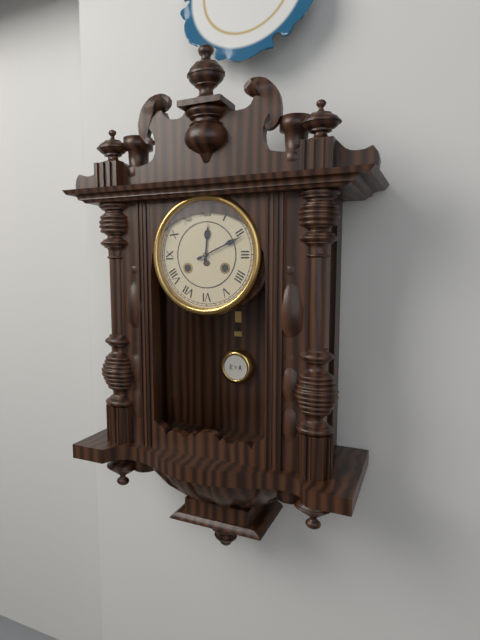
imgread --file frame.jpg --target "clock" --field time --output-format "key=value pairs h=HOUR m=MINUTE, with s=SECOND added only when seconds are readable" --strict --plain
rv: h=12 m=11
